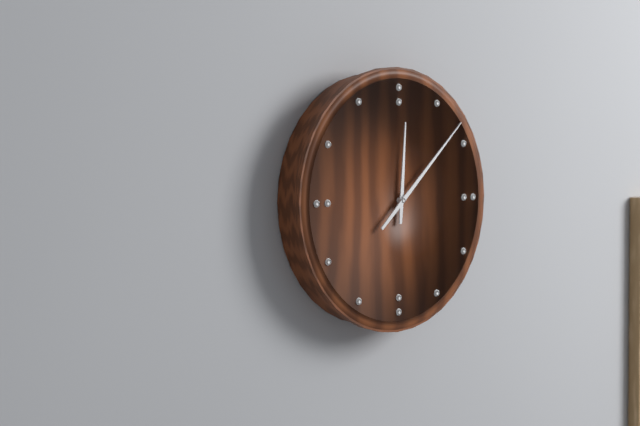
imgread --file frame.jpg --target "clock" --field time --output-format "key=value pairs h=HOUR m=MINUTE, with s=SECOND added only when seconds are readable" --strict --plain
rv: h=12 m=8
